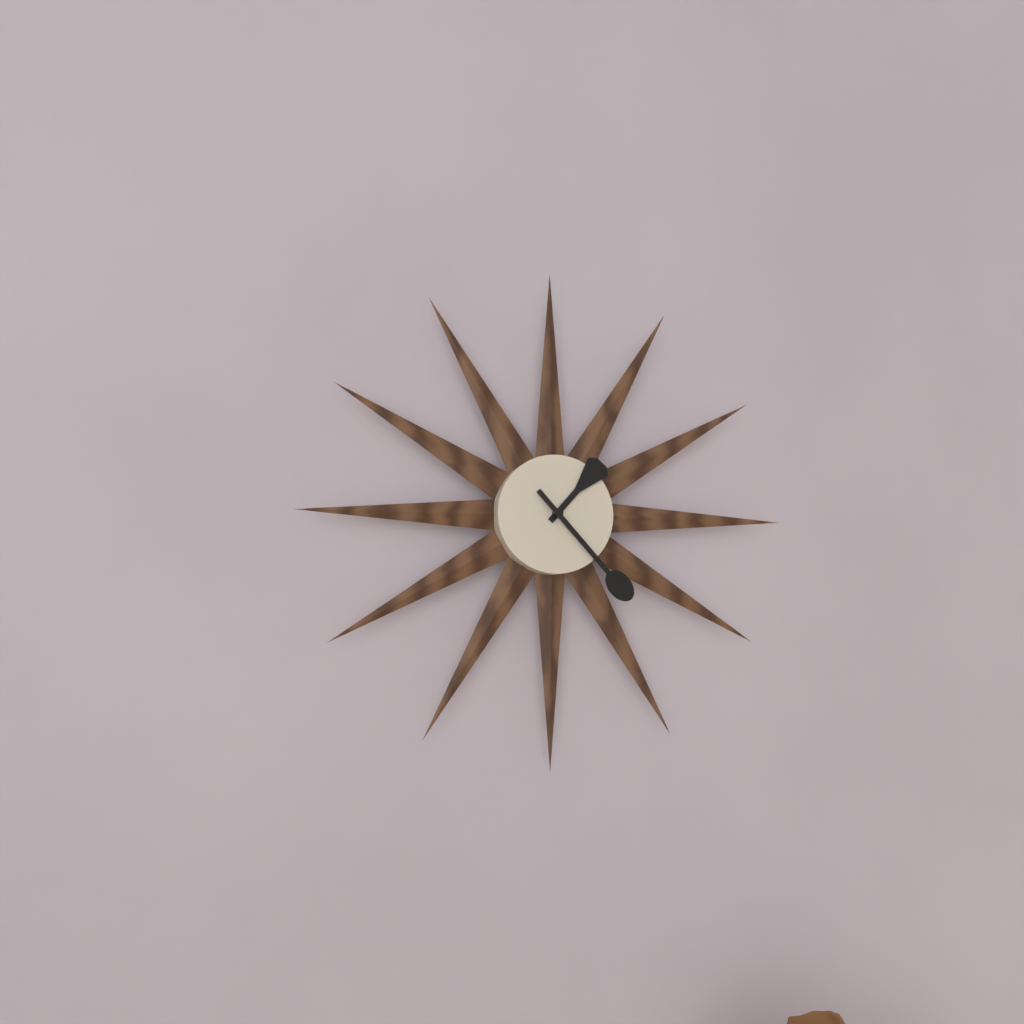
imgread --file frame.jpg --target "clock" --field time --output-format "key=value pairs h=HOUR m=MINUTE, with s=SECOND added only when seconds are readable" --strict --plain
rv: h=1 m=23
